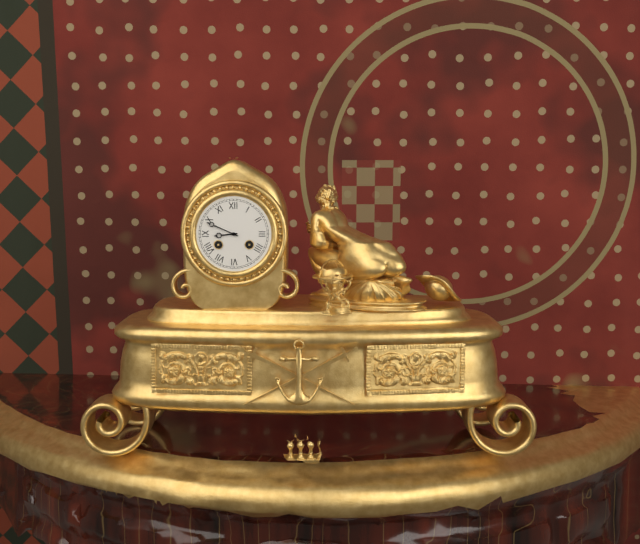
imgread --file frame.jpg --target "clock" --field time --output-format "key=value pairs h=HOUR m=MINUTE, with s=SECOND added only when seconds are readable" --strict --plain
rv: h=8 m=49
